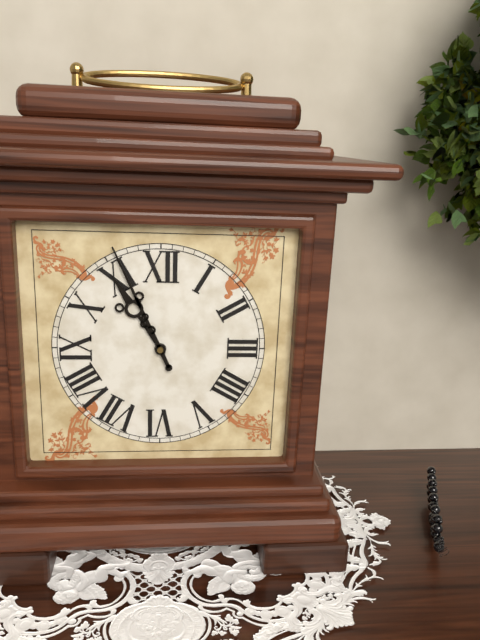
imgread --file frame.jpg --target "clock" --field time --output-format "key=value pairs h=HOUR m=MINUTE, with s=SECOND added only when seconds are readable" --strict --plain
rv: h=10 m=56
